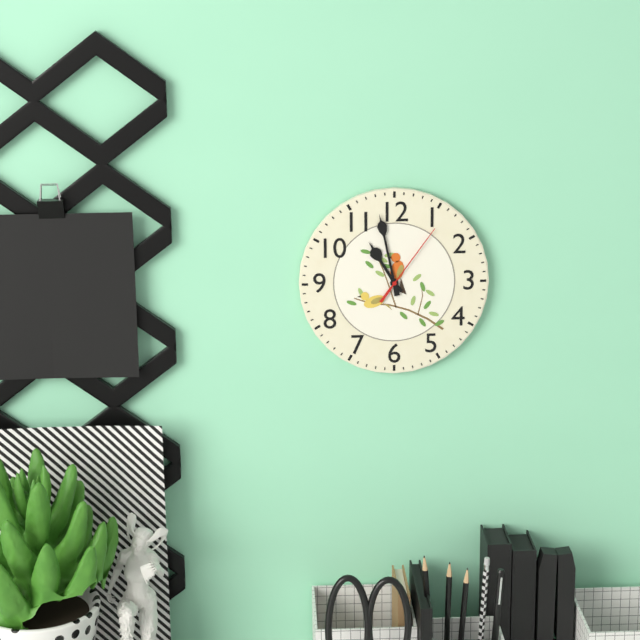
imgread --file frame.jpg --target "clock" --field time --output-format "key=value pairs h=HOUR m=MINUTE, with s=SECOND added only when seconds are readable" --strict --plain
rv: h=10 m=58 s=6
